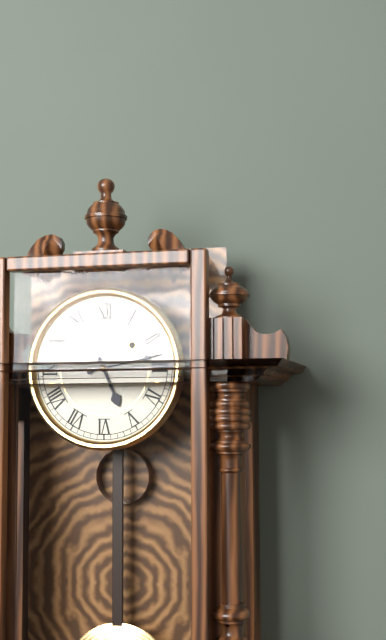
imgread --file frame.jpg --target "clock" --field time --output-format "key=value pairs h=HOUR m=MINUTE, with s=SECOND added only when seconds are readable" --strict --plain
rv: h=5 m=13
